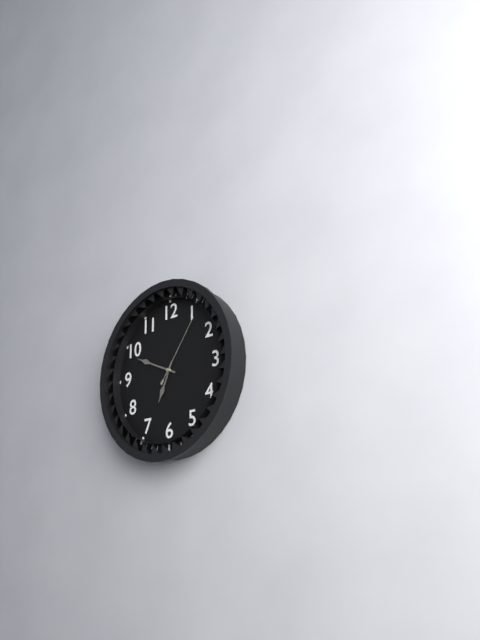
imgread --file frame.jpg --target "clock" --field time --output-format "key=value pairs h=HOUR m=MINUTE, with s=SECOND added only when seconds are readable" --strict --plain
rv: h=6 m=49 s=6
